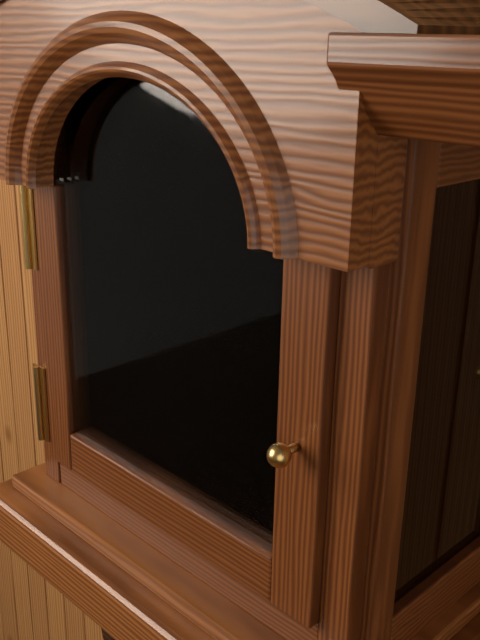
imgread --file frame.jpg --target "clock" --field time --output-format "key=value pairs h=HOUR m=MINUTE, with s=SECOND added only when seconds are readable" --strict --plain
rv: h=7 m=47
